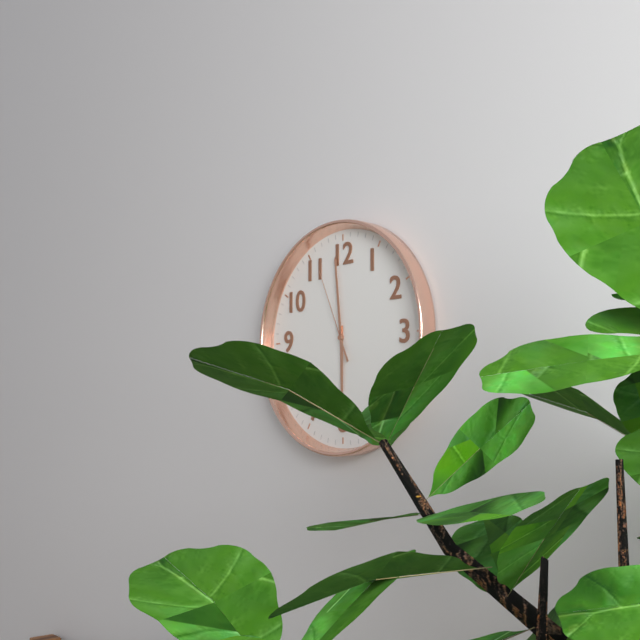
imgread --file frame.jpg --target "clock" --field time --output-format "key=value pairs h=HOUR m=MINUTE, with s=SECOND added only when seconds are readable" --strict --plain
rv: h=5 m=59 s=56
